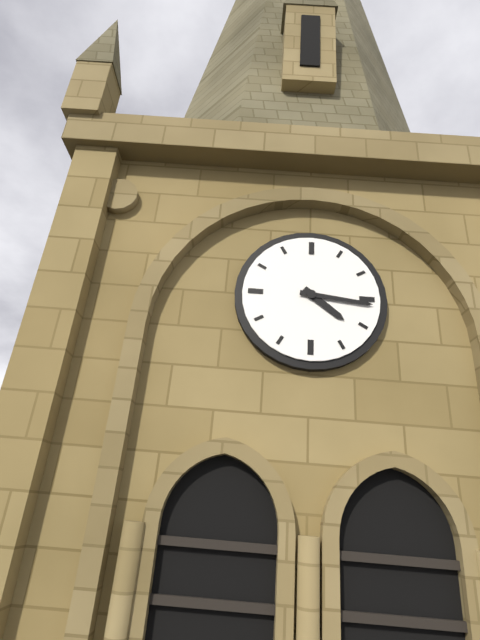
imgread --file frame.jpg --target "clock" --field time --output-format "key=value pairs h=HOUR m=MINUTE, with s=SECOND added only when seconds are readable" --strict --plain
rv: h=4 m=16
